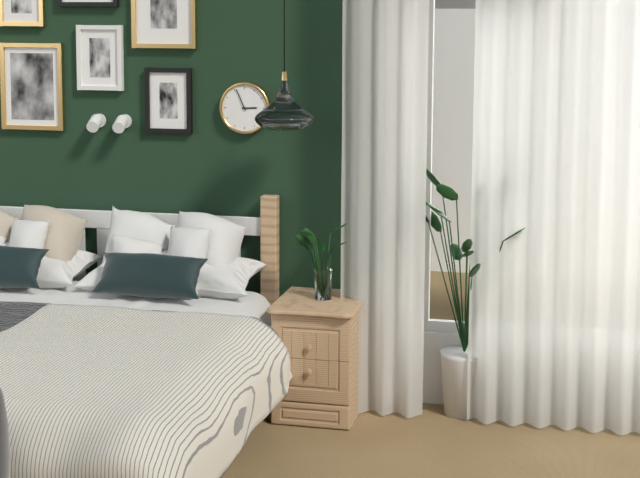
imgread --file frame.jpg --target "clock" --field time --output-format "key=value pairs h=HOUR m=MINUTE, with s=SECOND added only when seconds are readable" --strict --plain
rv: h=2 m=56
